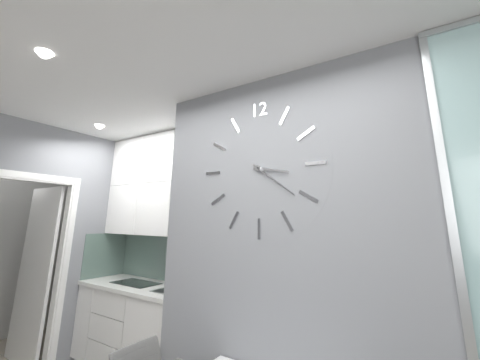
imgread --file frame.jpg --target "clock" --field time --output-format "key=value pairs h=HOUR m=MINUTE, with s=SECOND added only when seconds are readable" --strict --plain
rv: h=3 m=21
